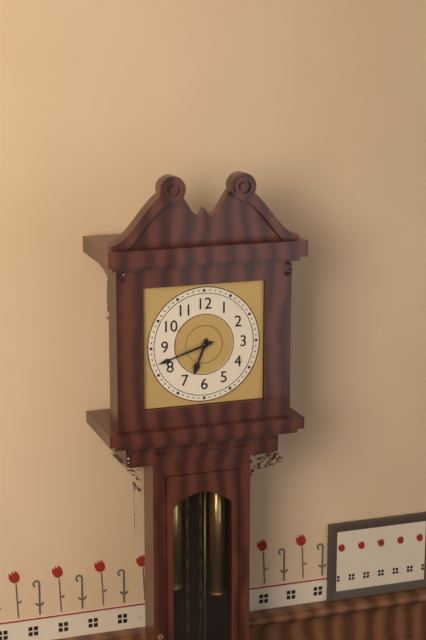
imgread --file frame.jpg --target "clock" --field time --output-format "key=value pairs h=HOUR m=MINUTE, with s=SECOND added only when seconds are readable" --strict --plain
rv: h=6 m=42
